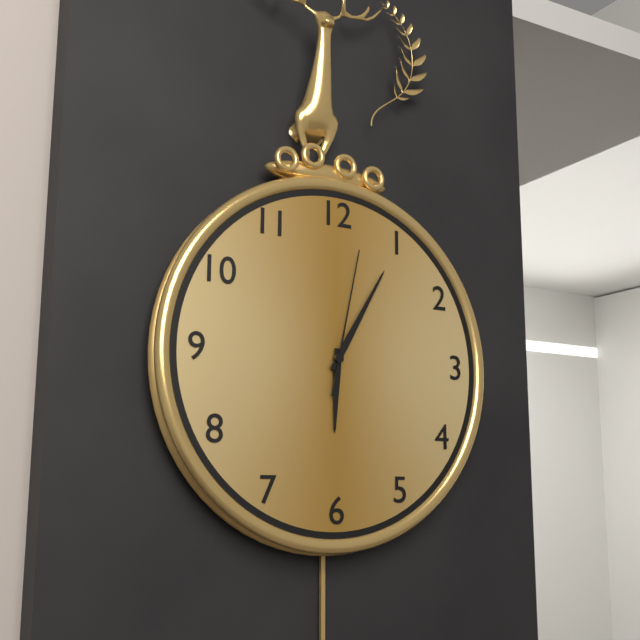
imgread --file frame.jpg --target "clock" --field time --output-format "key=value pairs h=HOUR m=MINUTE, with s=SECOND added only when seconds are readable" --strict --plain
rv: h=6 m=5 s=2
